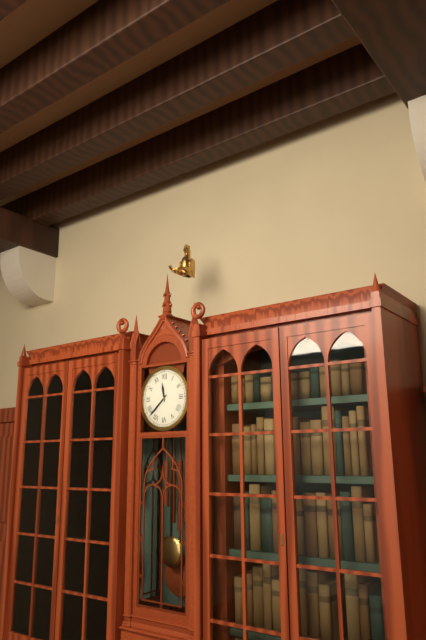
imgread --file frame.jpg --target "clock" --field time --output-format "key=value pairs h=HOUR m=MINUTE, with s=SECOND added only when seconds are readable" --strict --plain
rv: h=11 m=38
